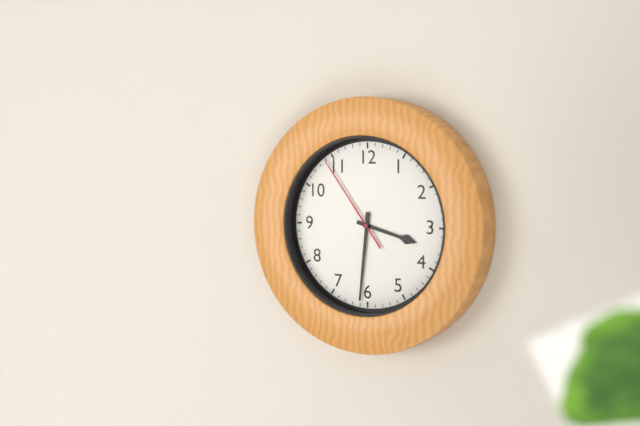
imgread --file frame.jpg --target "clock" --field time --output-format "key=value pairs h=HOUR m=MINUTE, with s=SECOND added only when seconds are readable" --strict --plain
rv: h=3 m=31 s=54
